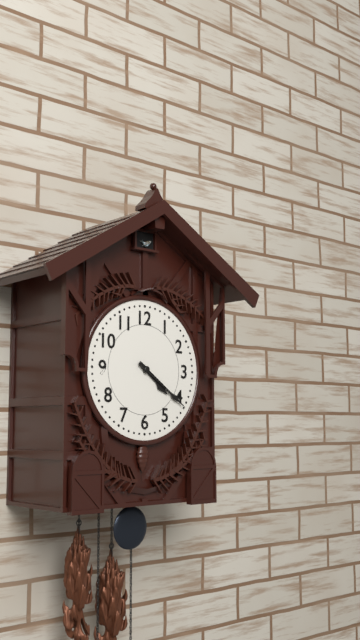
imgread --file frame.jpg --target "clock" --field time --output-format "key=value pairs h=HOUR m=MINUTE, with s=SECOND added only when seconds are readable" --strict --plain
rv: h=4 m=21
